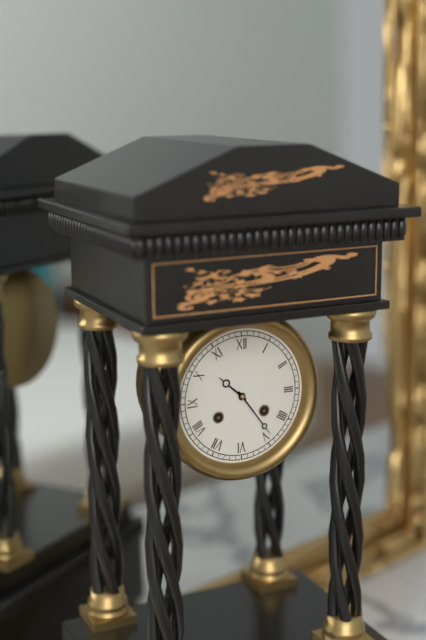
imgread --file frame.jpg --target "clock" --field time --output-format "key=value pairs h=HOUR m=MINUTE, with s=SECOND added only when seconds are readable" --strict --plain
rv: h=10 m=24
